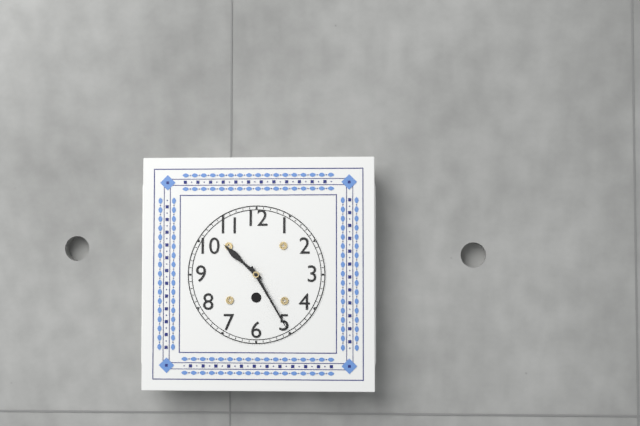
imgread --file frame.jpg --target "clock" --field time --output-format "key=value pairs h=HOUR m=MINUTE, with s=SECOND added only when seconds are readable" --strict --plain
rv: h=10 m=25
